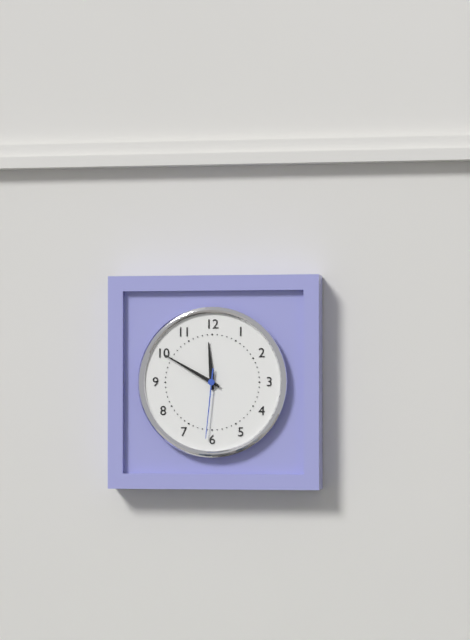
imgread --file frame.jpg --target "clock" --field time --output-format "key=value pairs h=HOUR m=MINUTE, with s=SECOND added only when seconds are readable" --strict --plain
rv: h=11 m=50 s=31
